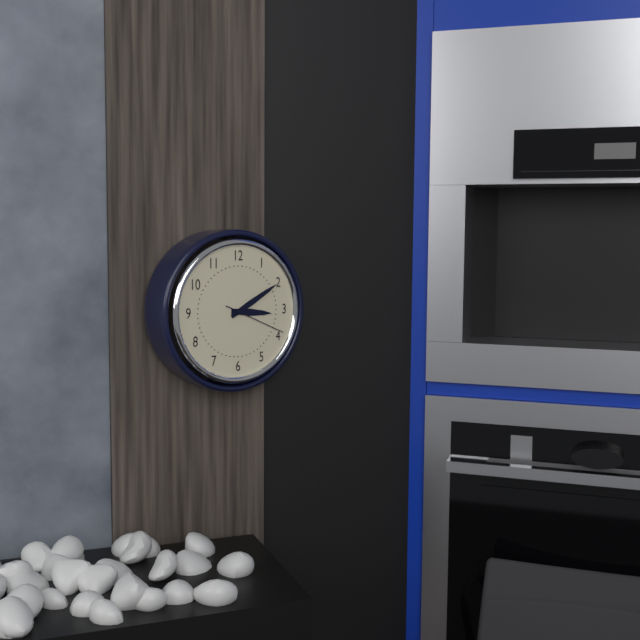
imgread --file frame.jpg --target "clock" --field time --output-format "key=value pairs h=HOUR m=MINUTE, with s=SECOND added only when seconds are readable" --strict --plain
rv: h=3 m=10 s=19
